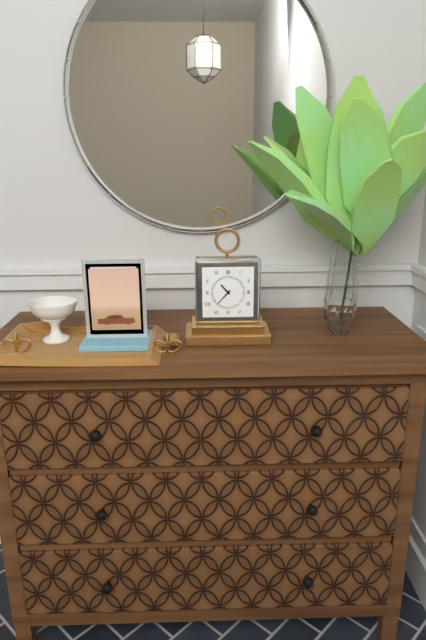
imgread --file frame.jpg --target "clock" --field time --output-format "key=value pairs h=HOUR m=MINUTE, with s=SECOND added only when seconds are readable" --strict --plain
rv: h=10 m=37
